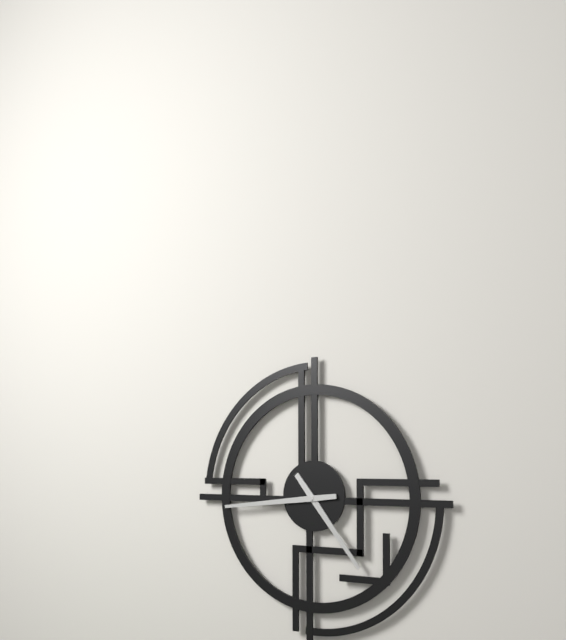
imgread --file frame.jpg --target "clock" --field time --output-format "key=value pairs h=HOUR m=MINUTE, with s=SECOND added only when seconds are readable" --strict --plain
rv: h=4 m=44
